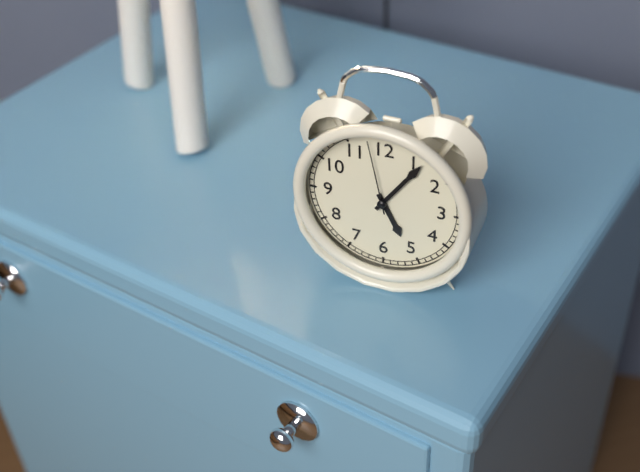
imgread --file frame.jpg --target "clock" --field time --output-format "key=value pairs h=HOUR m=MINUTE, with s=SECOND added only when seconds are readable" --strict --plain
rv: h=5 m=6 s=58
